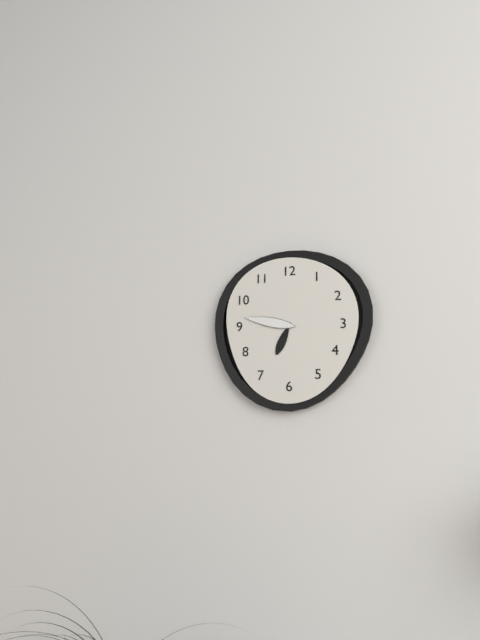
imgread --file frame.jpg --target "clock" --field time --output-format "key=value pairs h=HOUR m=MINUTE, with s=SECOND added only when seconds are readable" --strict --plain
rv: h=6 m=47
